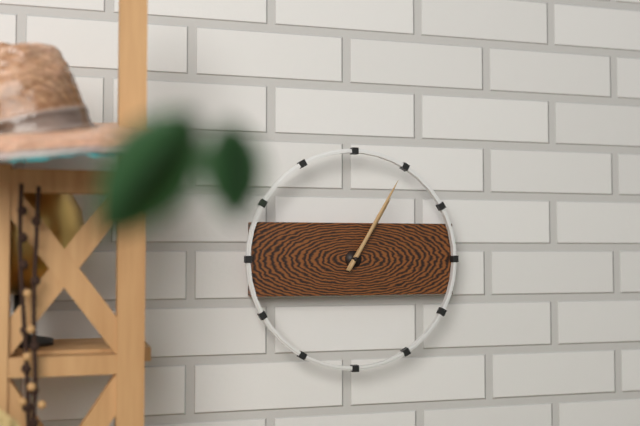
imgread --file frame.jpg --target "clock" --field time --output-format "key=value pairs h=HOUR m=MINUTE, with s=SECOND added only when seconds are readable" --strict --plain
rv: h=1 m=5
